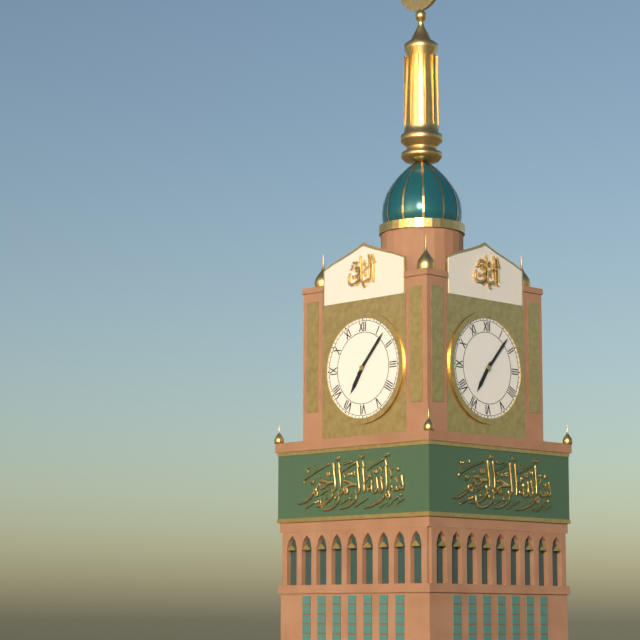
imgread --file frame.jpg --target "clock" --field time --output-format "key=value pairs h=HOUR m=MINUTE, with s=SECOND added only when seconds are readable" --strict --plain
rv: h=7 m=7
